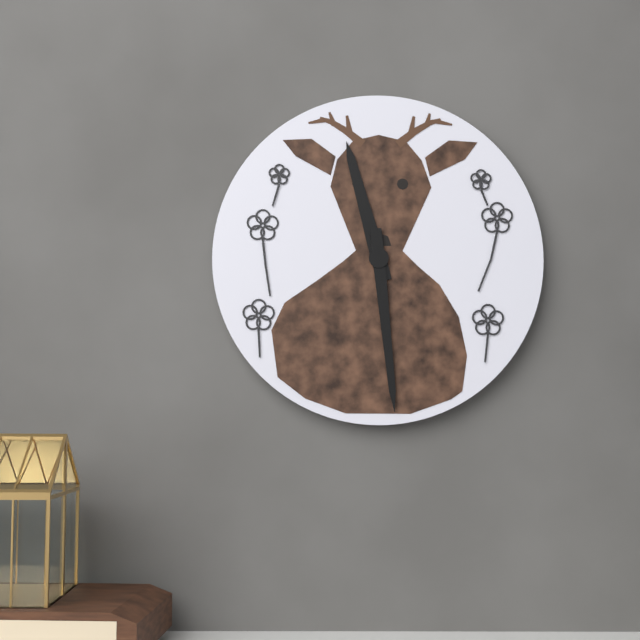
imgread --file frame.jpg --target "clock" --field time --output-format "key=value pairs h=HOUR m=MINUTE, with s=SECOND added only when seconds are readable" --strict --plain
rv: h=11 m=29
